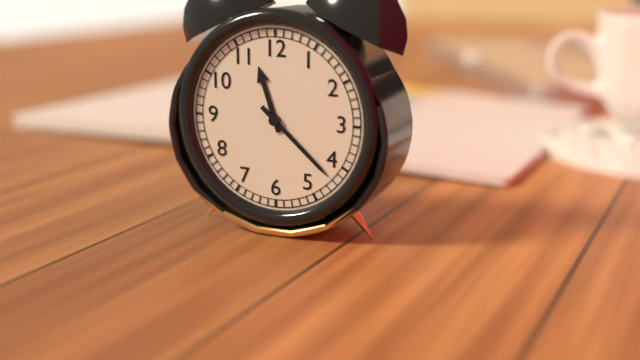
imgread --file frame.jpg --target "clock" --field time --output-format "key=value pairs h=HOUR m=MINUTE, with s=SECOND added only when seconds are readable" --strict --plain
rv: h=11 m=22
